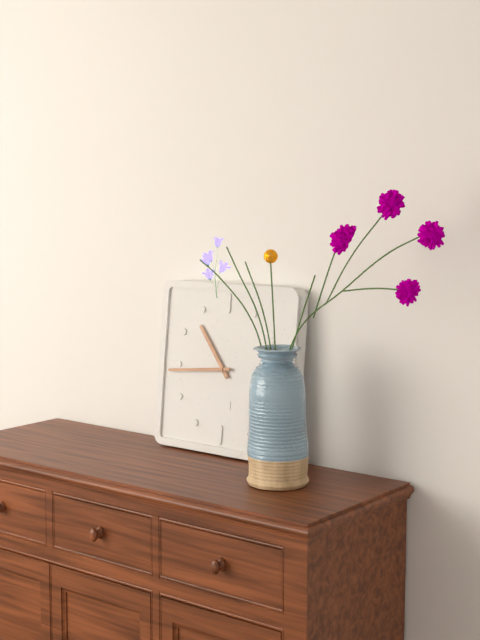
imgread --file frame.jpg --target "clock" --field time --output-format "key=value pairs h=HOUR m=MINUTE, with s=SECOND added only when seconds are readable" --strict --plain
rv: h=10 m=44
